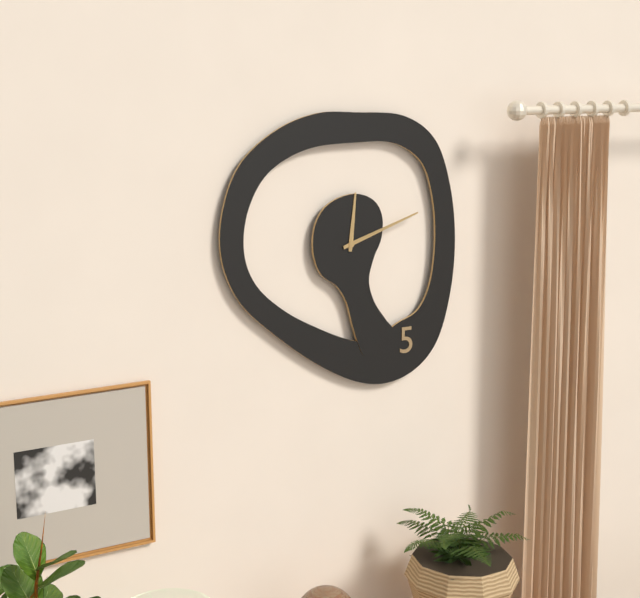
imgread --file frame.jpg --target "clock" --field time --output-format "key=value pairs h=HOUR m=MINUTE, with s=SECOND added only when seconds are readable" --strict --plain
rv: h=12 m=12
